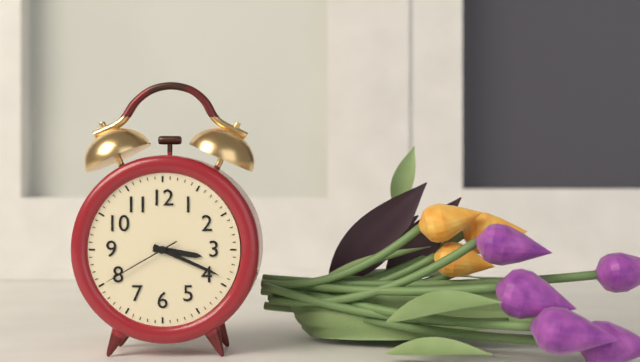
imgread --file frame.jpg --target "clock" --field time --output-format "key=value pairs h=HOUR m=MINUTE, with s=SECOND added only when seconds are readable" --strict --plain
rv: h=3 m=19 s=40
